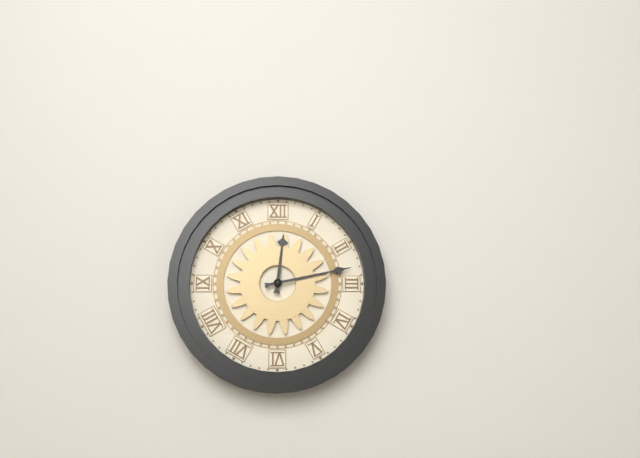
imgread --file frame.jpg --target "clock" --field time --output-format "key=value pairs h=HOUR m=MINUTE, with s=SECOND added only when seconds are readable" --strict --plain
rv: h=12 m=13
